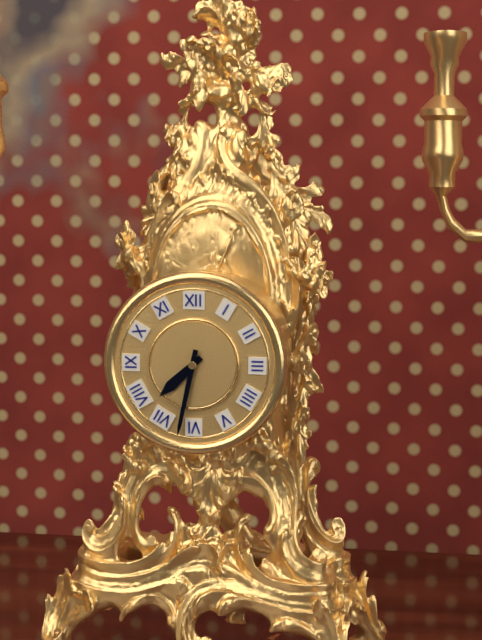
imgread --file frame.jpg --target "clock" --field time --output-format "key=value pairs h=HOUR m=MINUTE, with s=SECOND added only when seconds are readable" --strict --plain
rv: h=7 m=32
